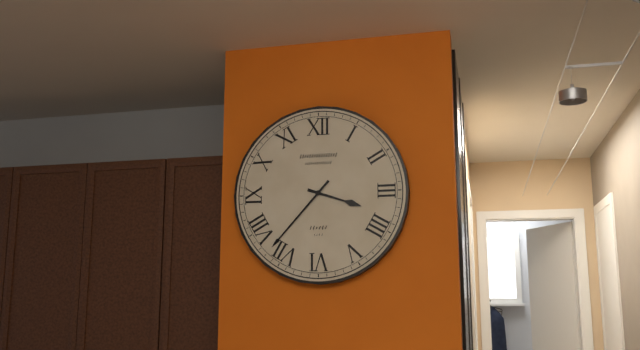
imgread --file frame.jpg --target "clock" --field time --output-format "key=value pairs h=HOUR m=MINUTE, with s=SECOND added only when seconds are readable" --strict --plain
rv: h=3 m=37
